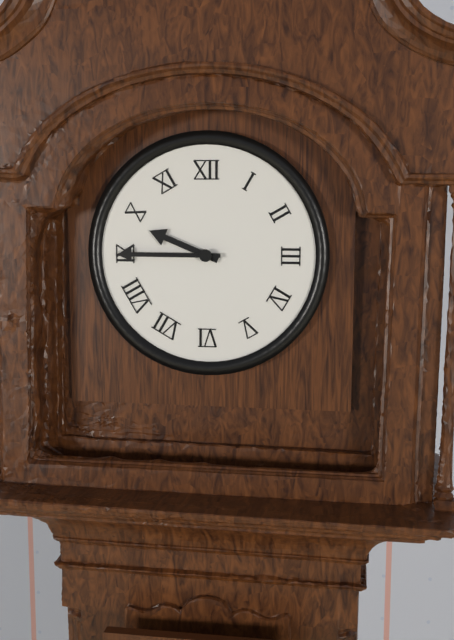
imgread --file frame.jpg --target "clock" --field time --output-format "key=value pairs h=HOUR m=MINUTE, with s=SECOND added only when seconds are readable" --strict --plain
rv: h=9 m=45
